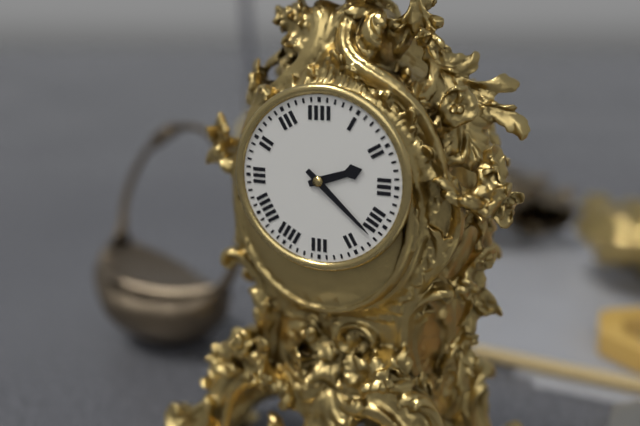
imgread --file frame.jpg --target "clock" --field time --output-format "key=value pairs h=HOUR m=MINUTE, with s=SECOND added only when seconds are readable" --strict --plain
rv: h=2 m=22
